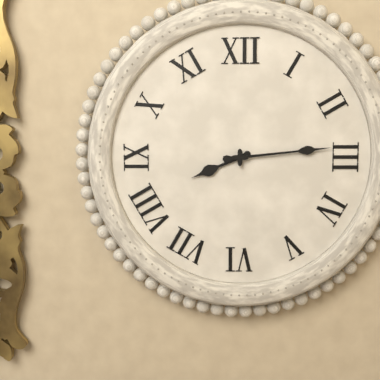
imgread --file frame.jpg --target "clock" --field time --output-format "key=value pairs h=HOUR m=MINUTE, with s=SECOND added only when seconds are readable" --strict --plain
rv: h=8 m=14
